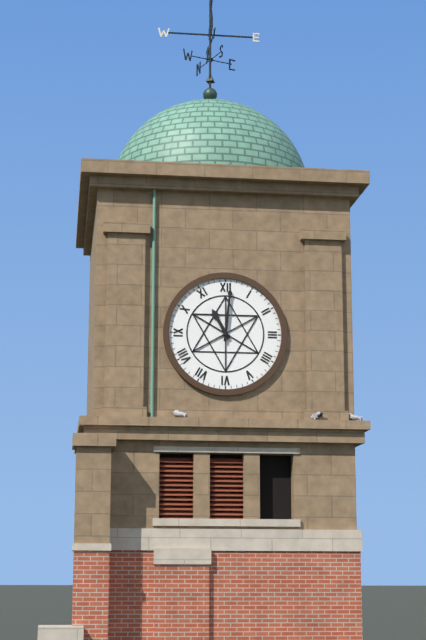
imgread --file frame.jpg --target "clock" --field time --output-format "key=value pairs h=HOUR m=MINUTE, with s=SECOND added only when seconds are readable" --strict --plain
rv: h=11 m=1
